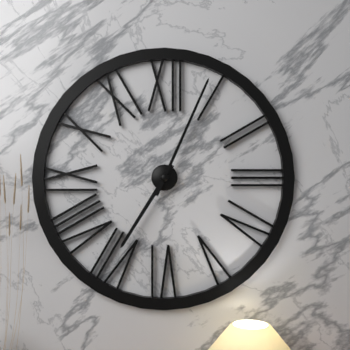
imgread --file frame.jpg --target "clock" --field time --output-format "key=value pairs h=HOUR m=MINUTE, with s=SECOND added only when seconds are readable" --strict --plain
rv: h=7 m=4
